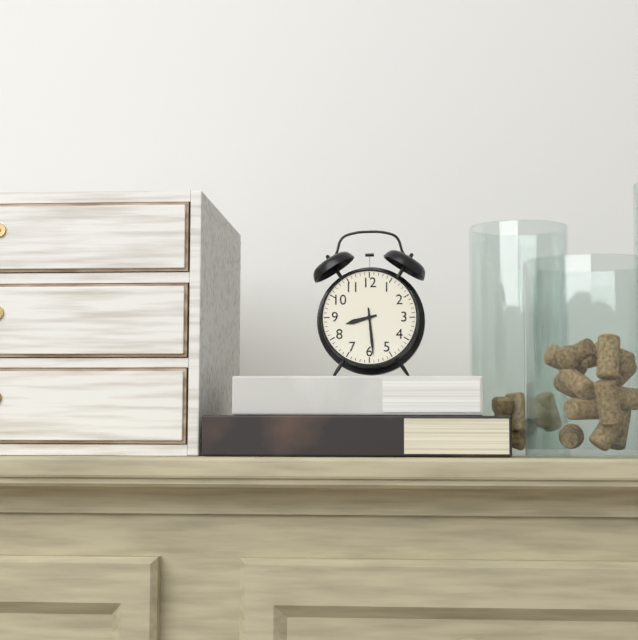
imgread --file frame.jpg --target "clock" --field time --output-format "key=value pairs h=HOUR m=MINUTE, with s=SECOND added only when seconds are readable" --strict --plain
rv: h=8 m=29
